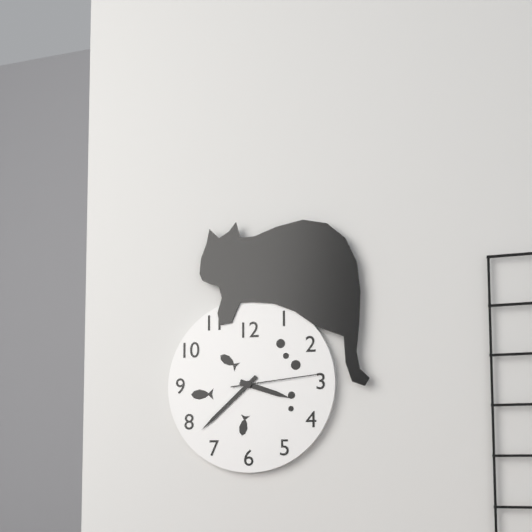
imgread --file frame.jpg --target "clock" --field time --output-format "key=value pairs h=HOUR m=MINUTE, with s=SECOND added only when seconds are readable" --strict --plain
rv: h=3 m=38 s=14
